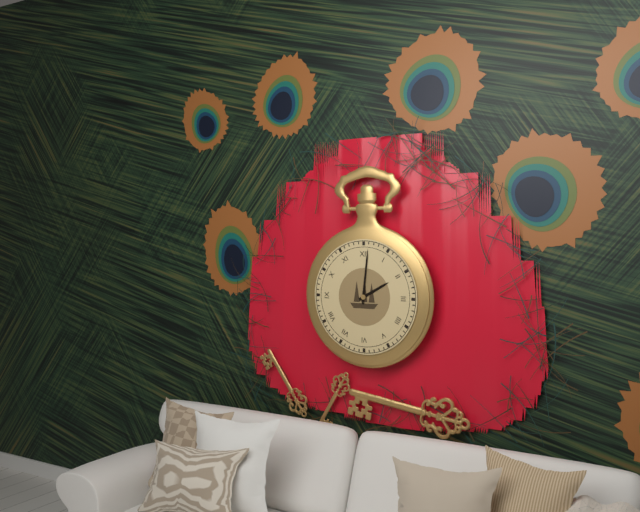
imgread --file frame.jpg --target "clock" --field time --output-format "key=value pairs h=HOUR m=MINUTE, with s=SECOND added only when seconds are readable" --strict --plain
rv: h=2 m=1
